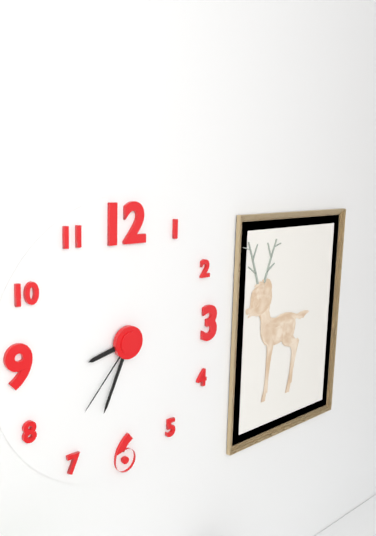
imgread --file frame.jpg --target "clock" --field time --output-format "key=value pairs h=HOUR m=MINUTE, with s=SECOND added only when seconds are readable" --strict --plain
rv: h=8 m=34 s=37
